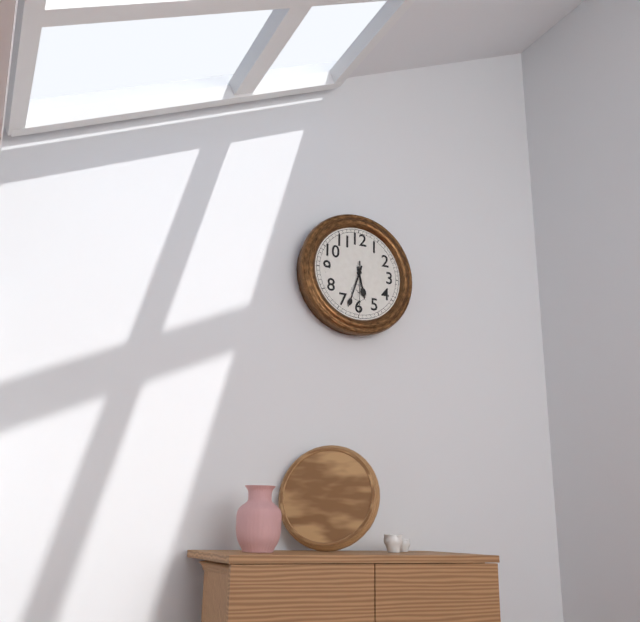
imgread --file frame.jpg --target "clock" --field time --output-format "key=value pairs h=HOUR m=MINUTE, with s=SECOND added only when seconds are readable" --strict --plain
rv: h=5 m=33 s=30
